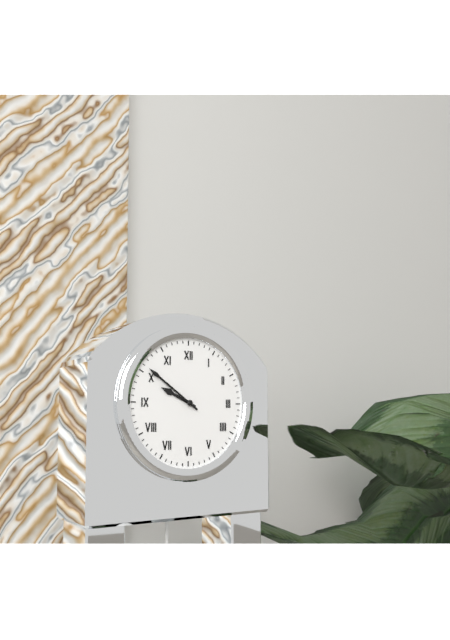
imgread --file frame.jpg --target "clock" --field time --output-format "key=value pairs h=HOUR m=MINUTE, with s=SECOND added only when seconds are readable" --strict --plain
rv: h=9 m=51
